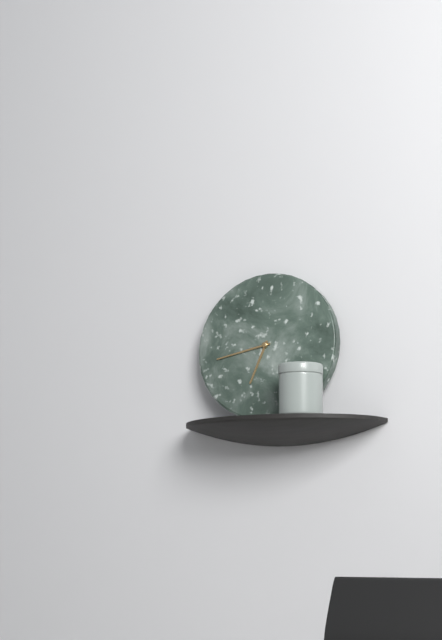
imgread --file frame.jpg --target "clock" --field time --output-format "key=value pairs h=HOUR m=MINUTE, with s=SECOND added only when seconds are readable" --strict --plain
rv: h=6 m=43
